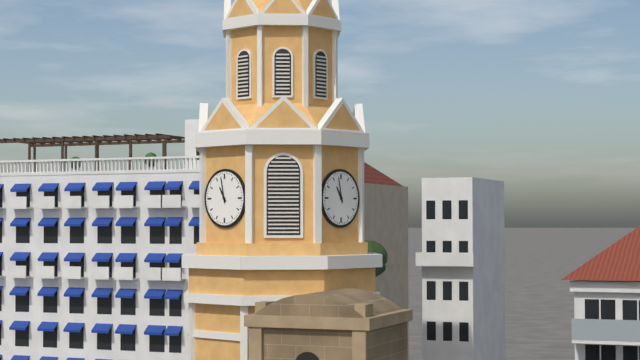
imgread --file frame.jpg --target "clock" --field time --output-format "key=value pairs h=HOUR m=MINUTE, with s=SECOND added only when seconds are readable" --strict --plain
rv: h=10 m=58
